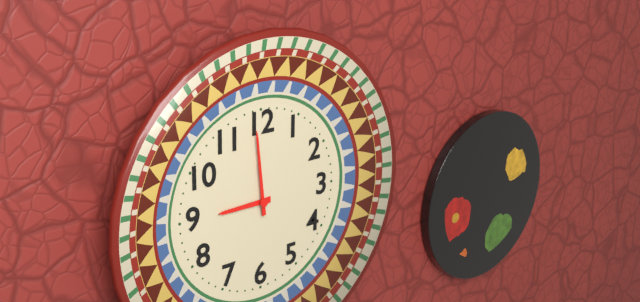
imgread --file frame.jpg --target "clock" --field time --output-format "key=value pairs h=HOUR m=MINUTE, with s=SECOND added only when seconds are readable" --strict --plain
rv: h=8 m=59
